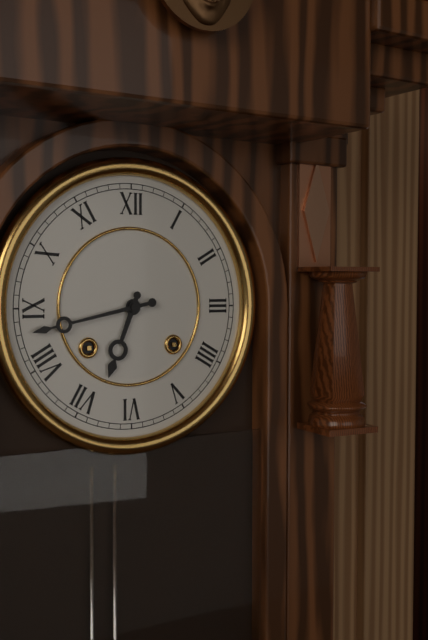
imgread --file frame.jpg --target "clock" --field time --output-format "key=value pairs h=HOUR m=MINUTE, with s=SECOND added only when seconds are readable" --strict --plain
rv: h=6 m=43
